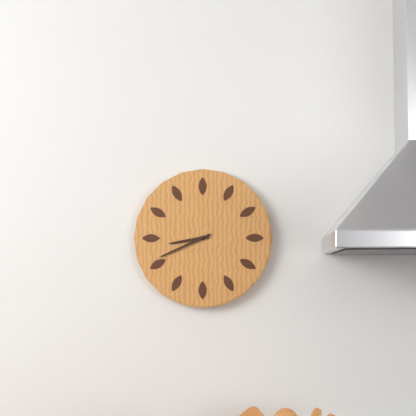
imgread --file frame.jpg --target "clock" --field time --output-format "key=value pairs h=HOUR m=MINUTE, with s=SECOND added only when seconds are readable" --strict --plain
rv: h=8 m=41
